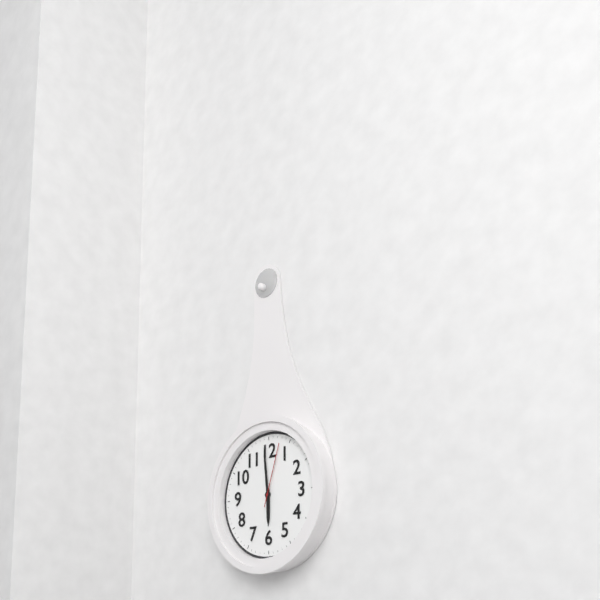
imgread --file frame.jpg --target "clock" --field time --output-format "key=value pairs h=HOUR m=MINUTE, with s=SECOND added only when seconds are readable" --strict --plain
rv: h=5 m=59 s=3
